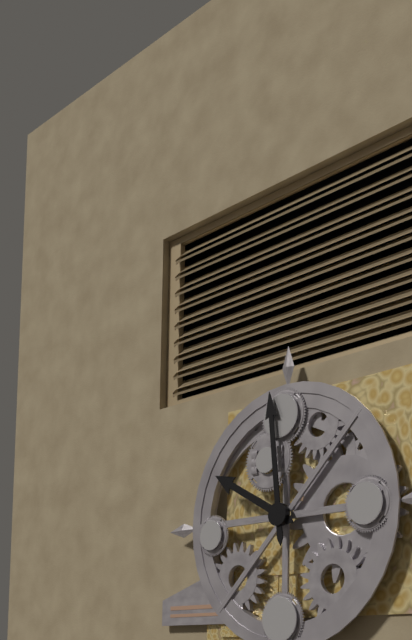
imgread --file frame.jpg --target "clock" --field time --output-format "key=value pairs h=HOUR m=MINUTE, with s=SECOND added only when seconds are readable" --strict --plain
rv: h=9 m=59
